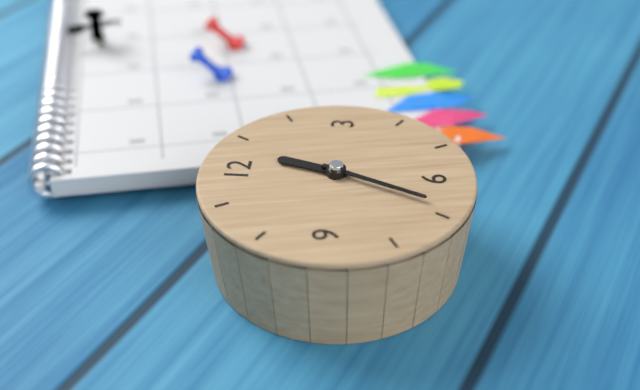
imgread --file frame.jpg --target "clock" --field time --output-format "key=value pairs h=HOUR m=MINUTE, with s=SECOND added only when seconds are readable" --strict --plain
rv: h=12 m=34
